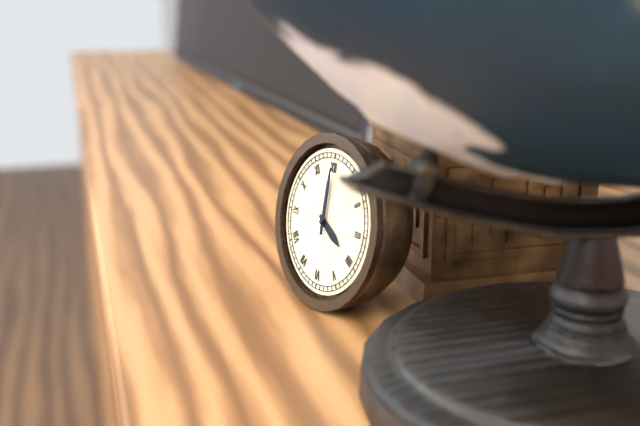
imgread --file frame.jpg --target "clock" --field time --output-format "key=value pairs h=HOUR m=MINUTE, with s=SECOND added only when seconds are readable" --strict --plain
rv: h=4 m=0
